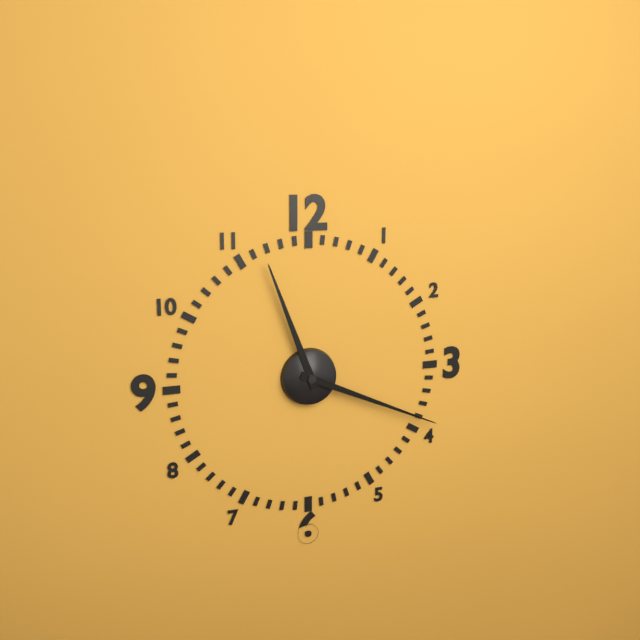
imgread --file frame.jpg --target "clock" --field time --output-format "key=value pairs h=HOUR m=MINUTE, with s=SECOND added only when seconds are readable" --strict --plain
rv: h=11 m=19
